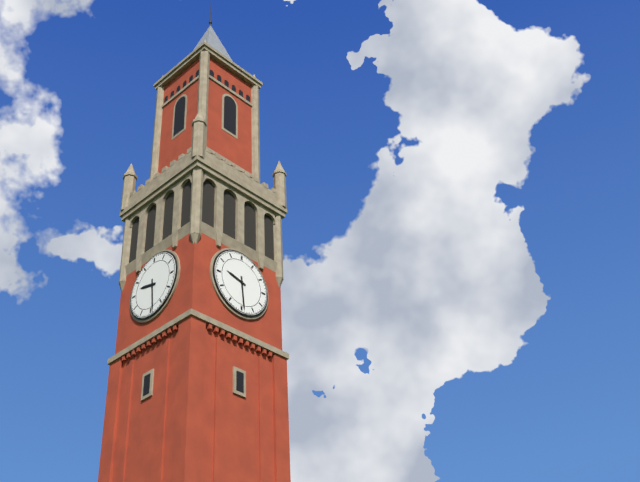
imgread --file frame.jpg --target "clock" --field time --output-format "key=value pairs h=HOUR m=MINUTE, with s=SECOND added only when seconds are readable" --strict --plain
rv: h=9 m=29
